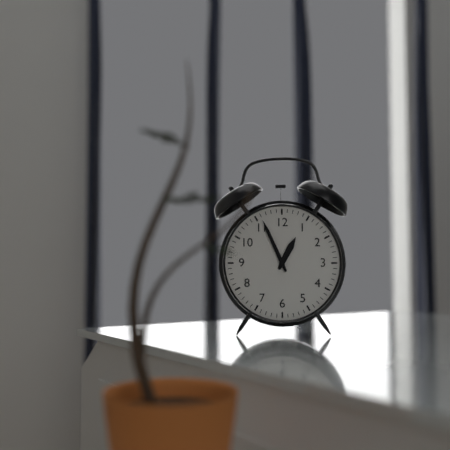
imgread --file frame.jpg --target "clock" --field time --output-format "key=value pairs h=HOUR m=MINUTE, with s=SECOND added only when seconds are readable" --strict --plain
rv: h=12 m=56
